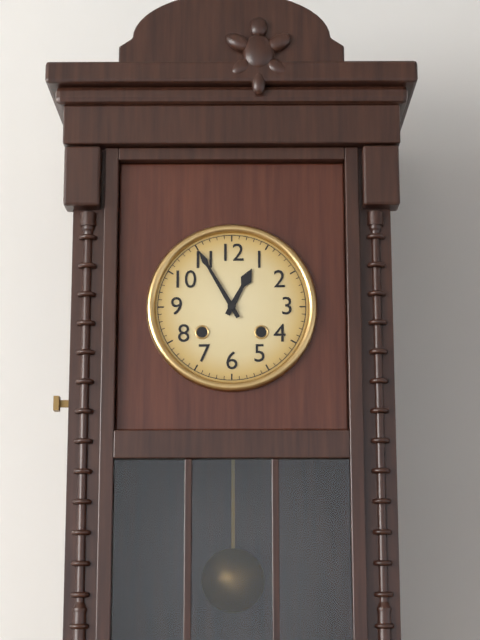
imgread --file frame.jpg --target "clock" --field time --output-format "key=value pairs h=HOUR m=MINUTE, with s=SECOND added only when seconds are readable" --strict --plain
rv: h=12 m=55
